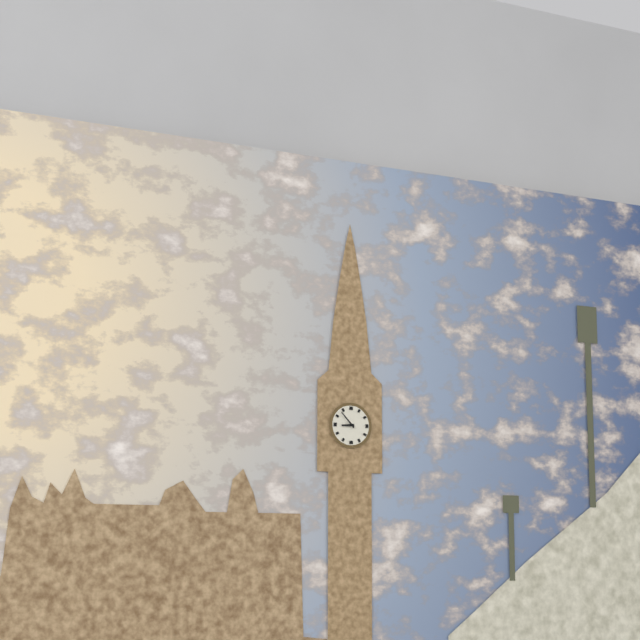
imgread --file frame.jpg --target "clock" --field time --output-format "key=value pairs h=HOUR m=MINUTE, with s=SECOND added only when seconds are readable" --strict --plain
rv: h=8 m=53
